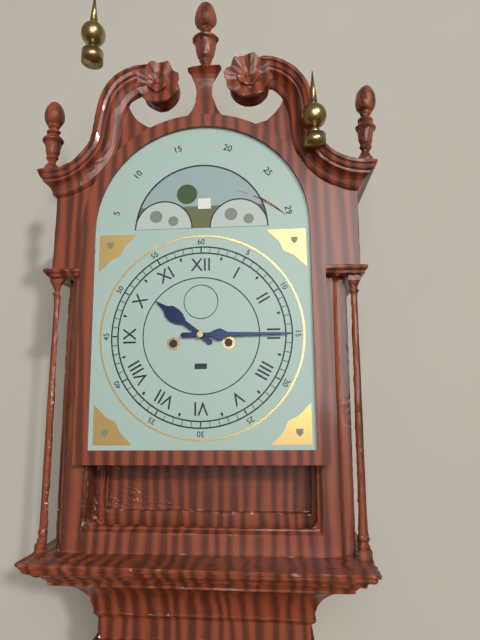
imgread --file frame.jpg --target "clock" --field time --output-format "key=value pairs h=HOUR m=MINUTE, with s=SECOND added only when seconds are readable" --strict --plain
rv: h=10 m=15
